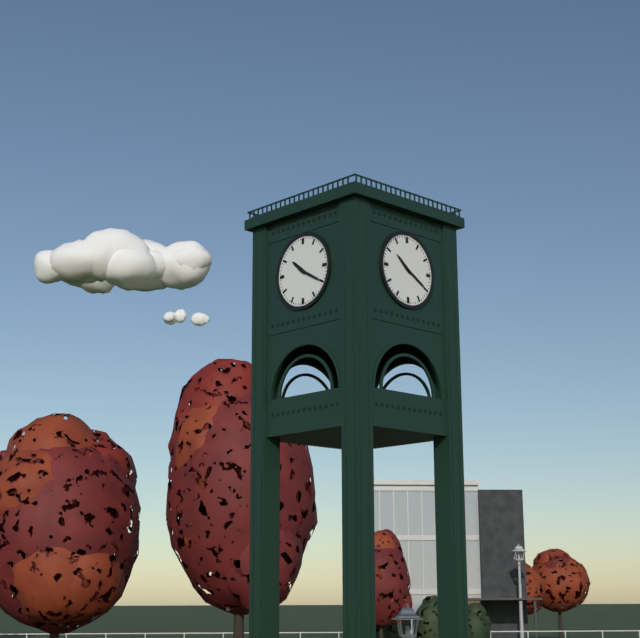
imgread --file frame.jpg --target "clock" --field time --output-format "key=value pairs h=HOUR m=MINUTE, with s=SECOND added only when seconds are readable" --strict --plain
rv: h=10 m=20
